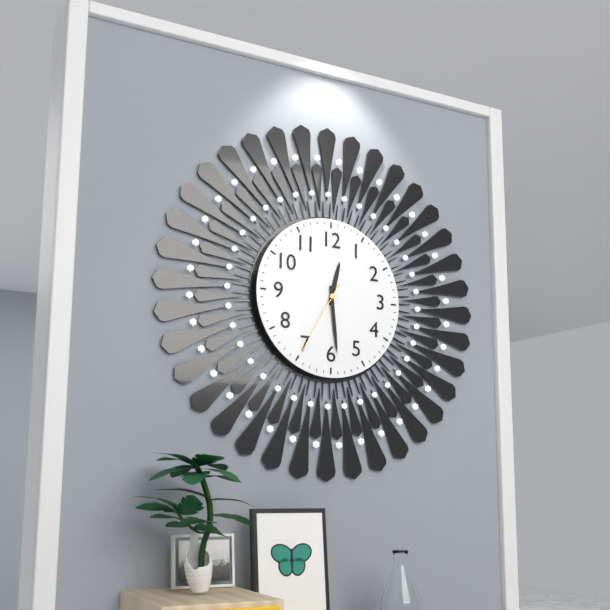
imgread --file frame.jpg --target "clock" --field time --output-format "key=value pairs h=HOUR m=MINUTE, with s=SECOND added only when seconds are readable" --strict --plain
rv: h=12 m=29 s=35
